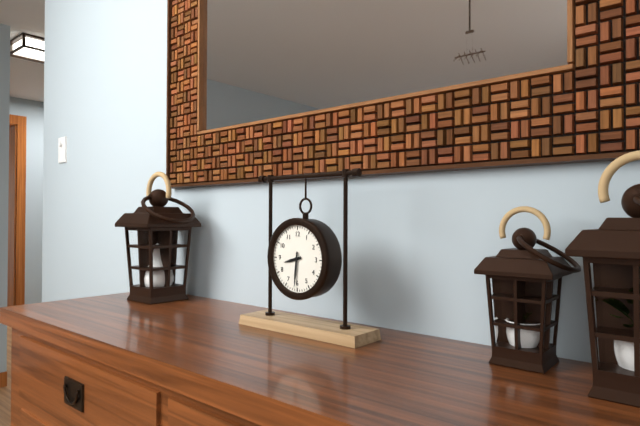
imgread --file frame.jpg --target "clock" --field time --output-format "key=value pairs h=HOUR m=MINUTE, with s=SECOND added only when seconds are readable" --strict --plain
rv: h=8 m=31
